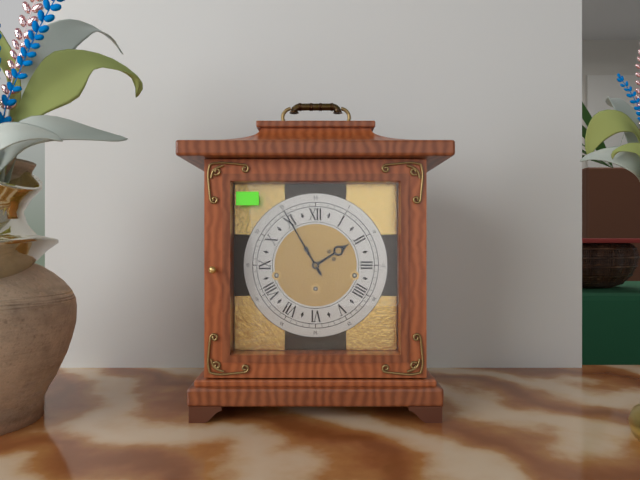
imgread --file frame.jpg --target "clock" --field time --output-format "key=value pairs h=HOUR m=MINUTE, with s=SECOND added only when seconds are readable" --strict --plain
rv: h=1 m=55
